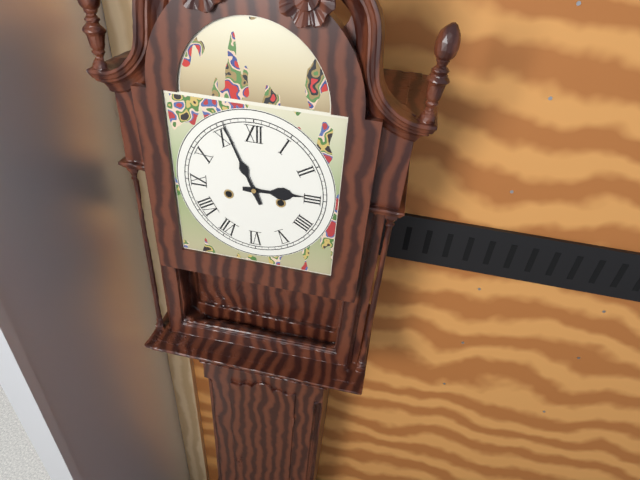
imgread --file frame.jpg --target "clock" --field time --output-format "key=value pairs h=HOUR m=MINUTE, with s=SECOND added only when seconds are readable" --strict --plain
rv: h=2 m=56
